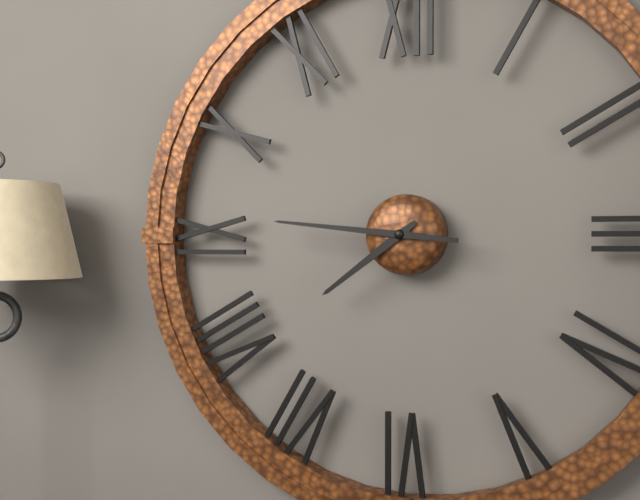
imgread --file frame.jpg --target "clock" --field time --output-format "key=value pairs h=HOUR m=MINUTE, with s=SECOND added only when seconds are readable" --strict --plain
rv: h=7 m=46
